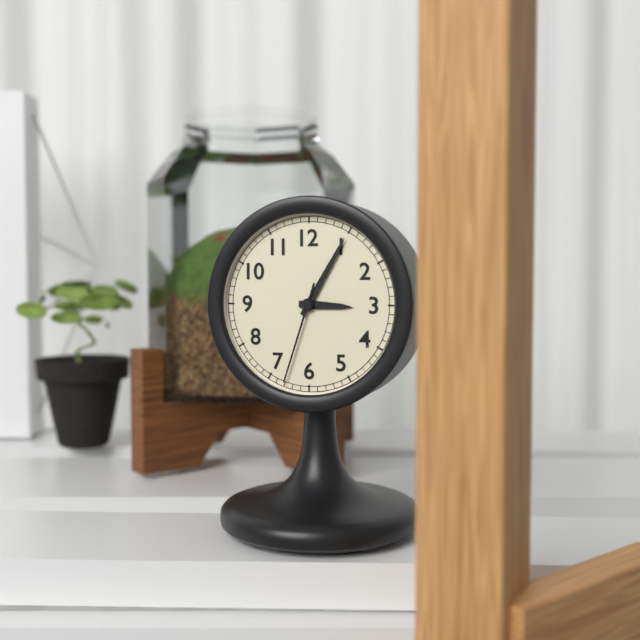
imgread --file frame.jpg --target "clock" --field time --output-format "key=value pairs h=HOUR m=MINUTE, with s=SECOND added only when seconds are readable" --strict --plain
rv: h=3 m=5 s=33
